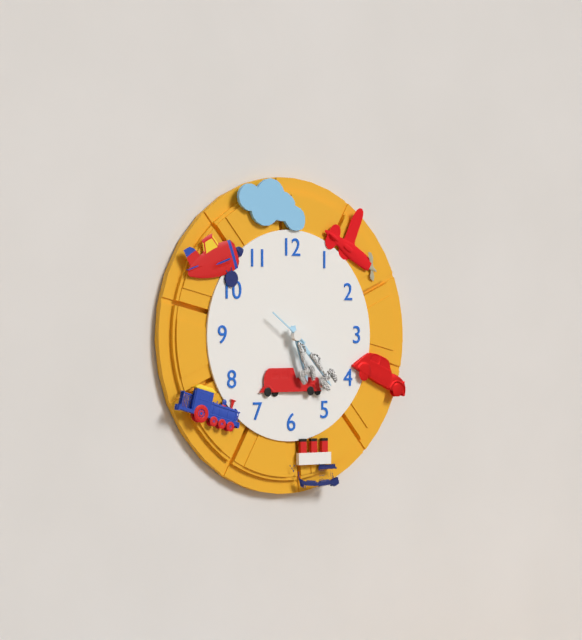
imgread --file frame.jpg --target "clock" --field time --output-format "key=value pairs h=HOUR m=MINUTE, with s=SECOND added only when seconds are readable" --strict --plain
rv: h=5 m=23
